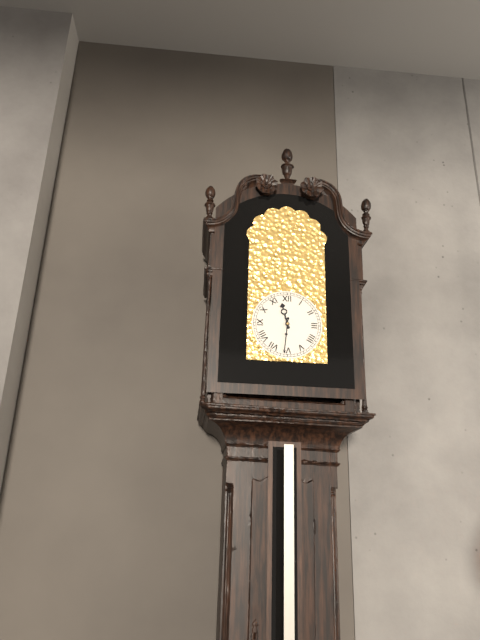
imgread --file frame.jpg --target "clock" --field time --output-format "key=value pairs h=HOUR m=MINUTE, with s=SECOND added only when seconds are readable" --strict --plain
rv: h=11 m=31
